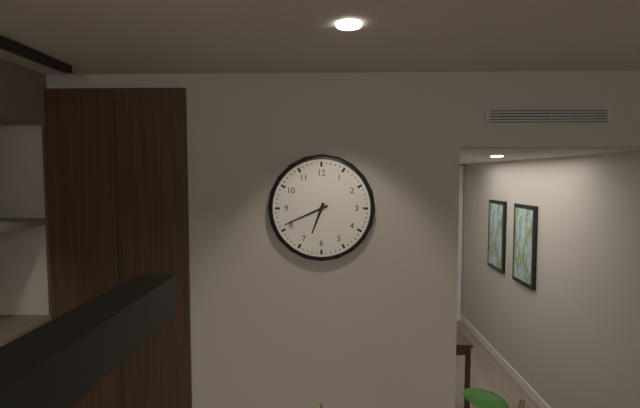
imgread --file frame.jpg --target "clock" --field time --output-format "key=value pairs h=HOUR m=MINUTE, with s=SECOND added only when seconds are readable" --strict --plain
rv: h=6 m=41
